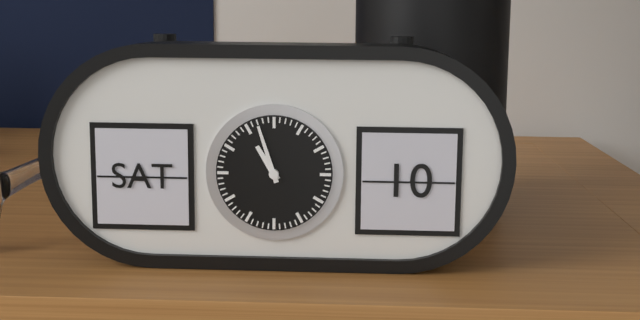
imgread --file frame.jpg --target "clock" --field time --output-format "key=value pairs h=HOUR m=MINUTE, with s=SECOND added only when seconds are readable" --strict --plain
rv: h=10 m=57
